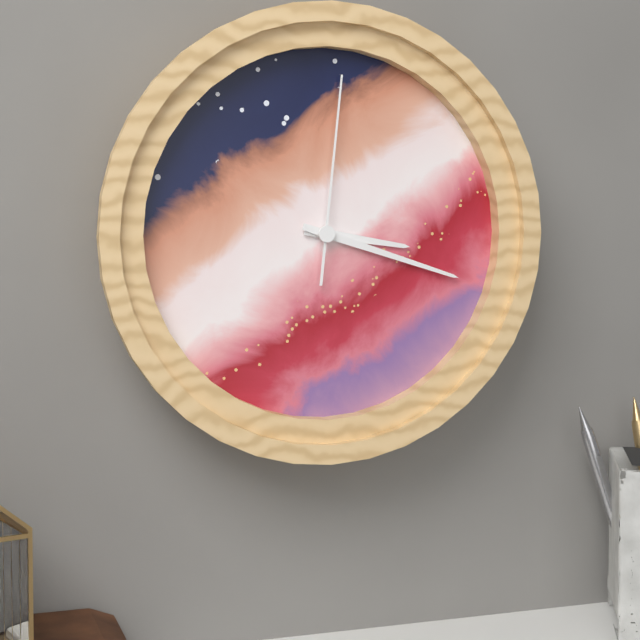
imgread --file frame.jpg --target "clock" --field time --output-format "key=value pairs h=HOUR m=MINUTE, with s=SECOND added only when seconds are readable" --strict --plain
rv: h=3 m=18 s=1
